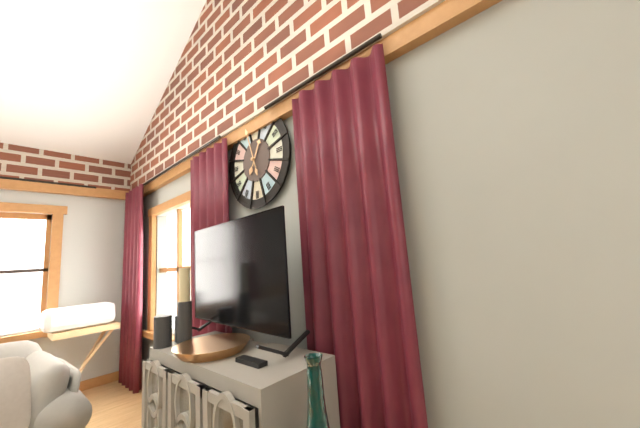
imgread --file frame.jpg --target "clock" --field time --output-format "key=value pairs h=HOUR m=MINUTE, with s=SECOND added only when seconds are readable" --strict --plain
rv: h=12 m=57
